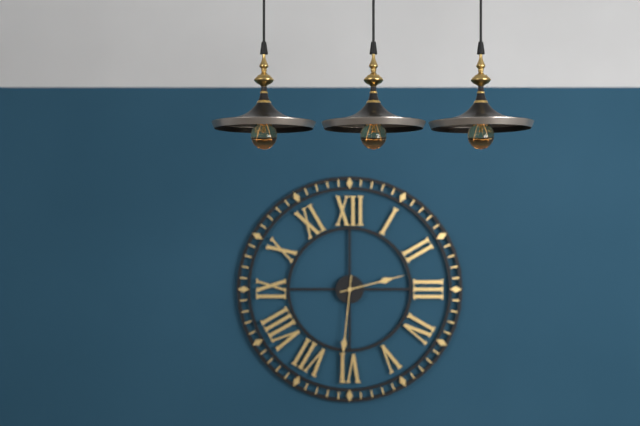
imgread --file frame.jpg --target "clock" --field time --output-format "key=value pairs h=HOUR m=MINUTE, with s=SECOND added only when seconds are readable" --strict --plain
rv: h=2 m=31
